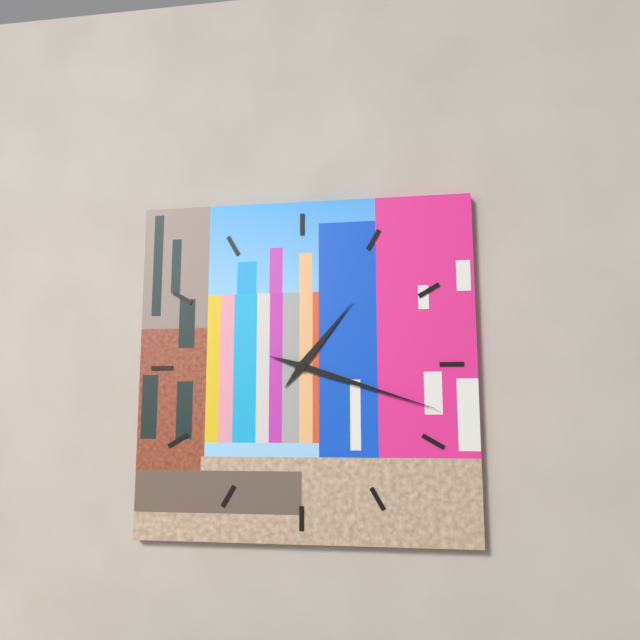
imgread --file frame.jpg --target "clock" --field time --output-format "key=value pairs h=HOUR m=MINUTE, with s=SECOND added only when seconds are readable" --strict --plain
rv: h=1 m=18
